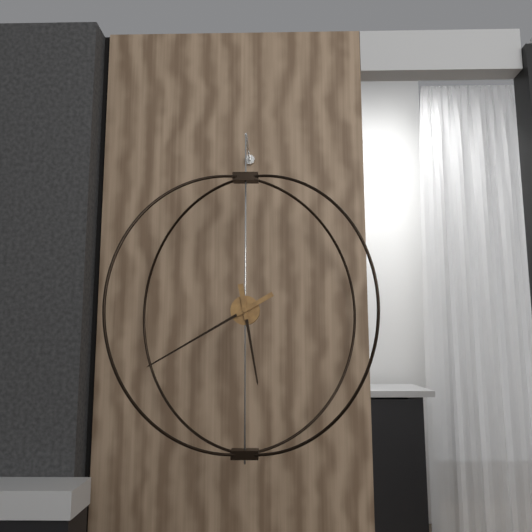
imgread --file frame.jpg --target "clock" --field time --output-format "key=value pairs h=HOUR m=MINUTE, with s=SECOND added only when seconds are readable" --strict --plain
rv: h=5 m=40
